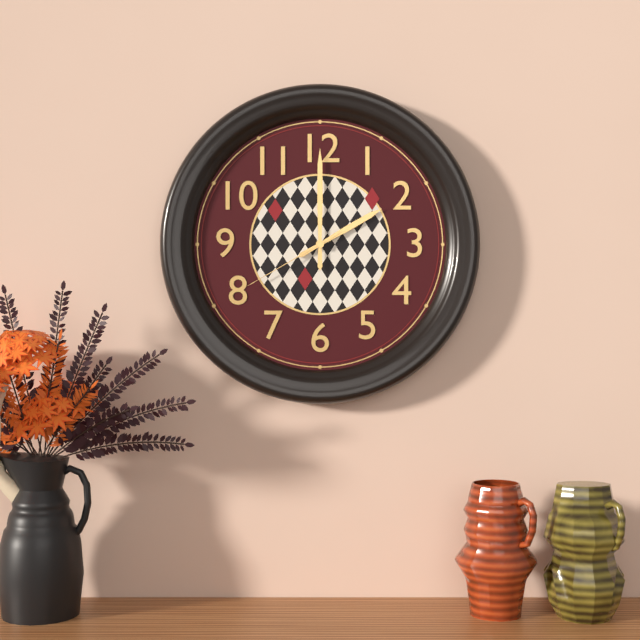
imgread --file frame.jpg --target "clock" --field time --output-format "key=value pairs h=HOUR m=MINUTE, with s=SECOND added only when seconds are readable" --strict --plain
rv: h=2 m=0 s=40
